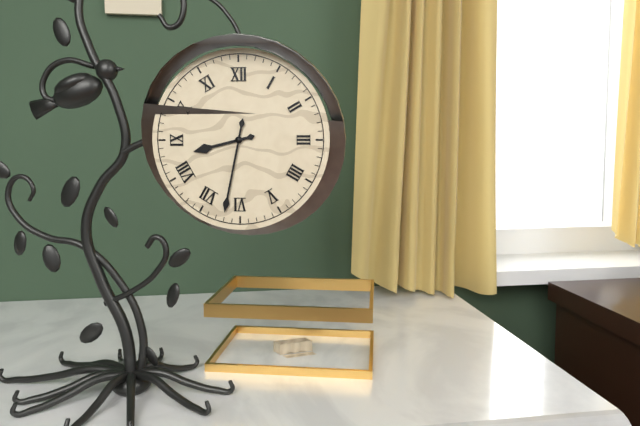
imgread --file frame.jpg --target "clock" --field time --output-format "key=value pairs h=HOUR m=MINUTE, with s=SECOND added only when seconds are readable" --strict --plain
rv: h=8 m=32
